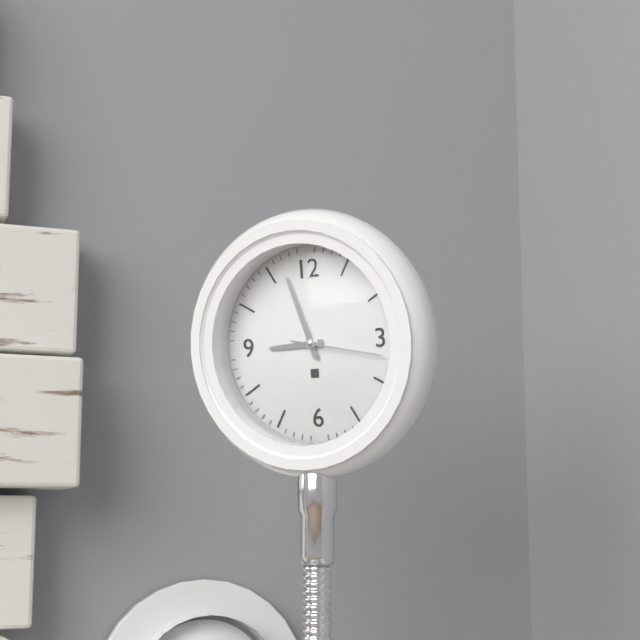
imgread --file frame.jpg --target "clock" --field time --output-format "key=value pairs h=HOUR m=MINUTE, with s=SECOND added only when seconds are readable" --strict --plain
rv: h=8 m=57 s=17
